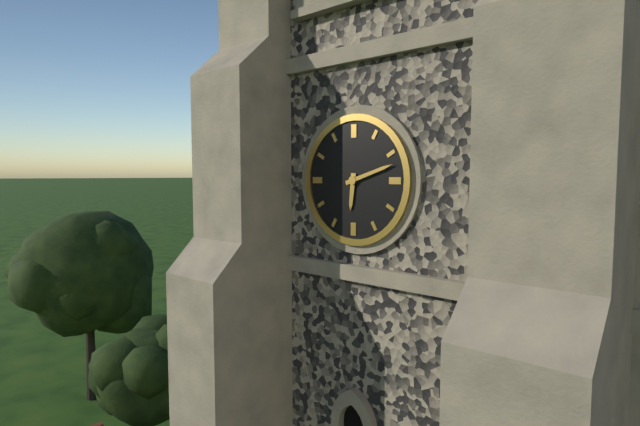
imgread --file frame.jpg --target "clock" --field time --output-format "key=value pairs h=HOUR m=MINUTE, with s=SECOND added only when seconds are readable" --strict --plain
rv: h=6 m=12
